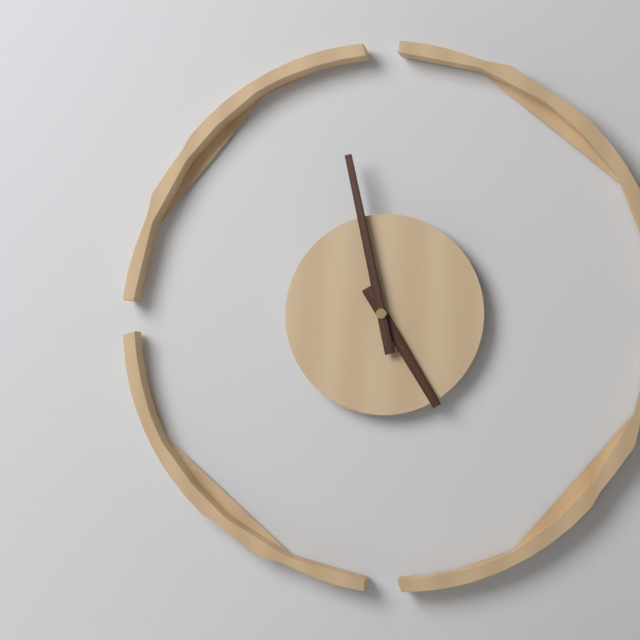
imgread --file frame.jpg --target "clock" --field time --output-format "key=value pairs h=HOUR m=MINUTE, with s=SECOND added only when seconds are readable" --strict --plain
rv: h=4 m=58
